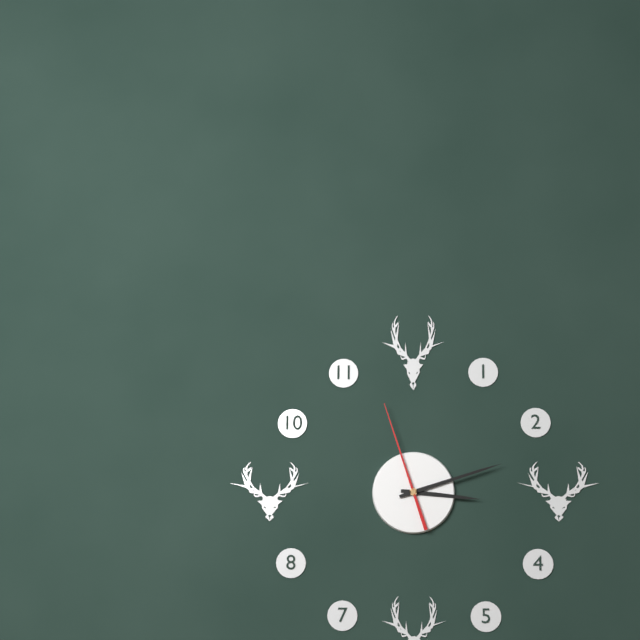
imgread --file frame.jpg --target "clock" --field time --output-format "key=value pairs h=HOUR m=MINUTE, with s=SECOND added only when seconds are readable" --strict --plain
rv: h=3 m=12 s=57
